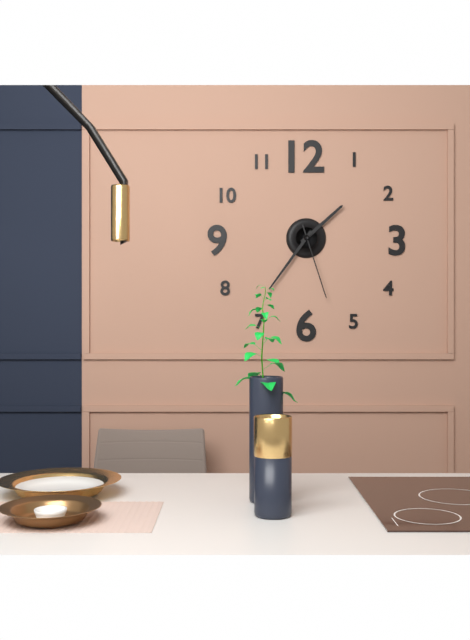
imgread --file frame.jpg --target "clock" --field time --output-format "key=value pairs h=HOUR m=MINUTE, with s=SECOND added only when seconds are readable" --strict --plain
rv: h=1 m=36 s=27
